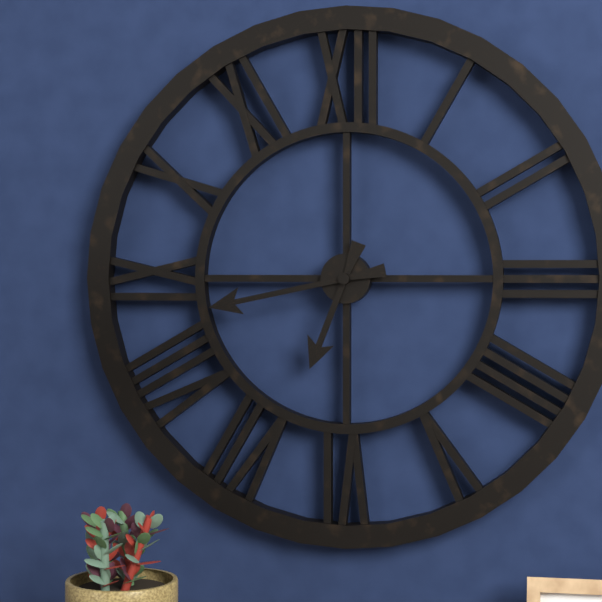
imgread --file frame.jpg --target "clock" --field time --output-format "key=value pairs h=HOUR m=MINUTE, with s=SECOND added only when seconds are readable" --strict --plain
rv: h=6 m=43
